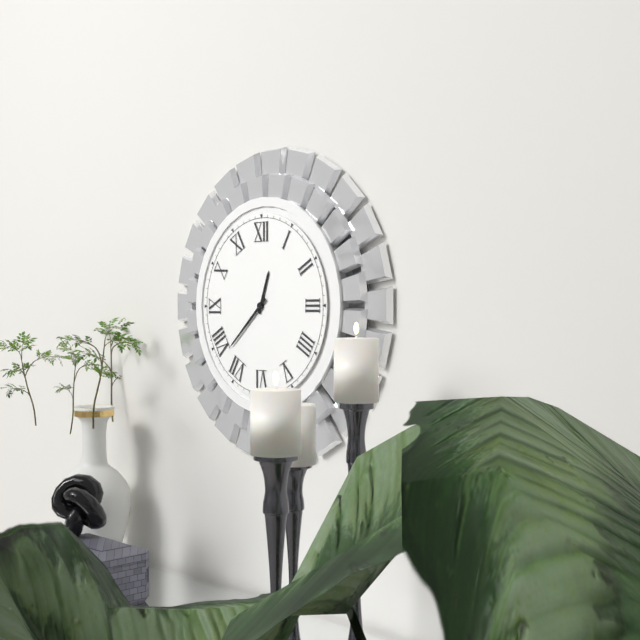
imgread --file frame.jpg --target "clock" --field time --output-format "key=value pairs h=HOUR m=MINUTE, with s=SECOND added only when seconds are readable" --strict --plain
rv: h=12 m=38
